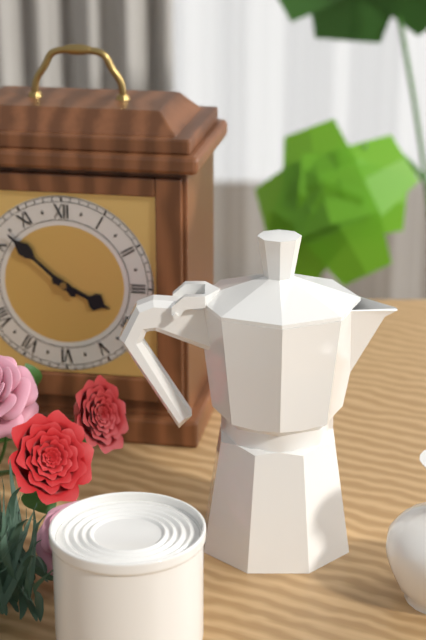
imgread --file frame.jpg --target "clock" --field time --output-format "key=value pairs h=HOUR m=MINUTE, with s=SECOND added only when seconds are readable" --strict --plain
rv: h=3 m=52
